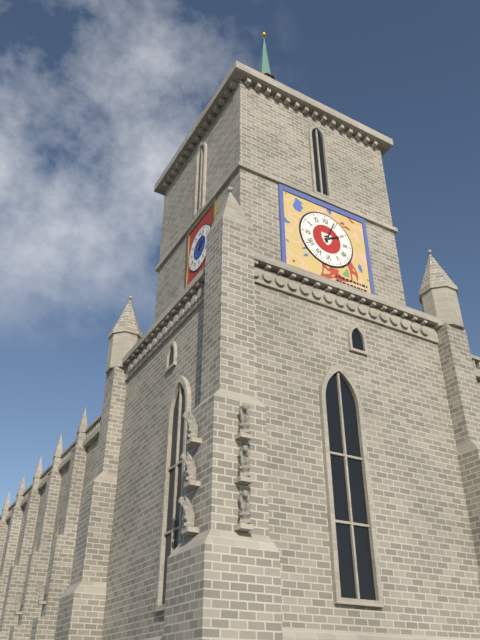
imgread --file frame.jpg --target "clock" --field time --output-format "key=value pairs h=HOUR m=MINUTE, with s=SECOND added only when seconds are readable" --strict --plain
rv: h=2 m=4
